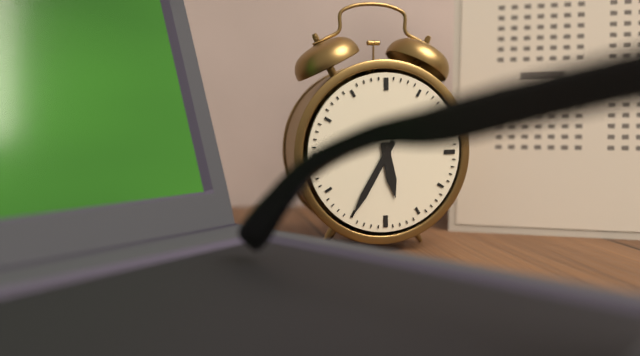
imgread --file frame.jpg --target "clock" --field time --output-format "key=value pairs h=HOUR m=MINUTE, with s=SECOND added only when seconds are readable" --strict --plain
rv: h=5 m=35
